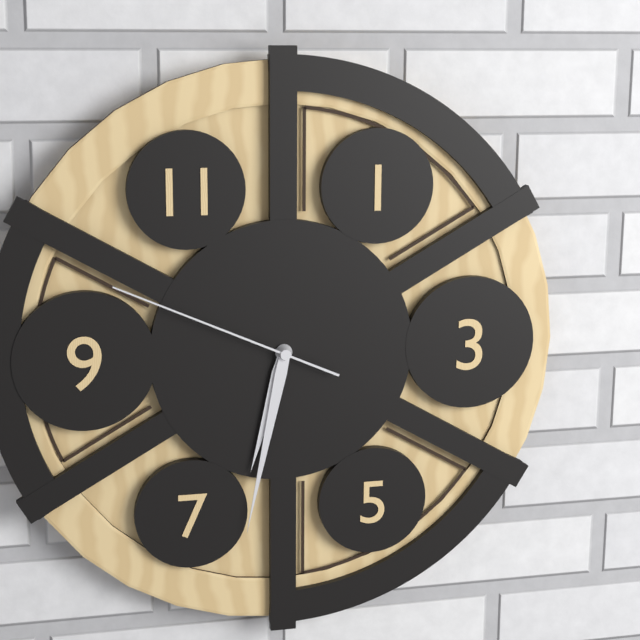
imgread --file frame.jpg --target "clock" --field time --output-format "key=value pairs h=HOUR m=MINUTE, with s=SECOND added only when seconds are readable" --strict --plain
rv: h=6 m=32 s=49
